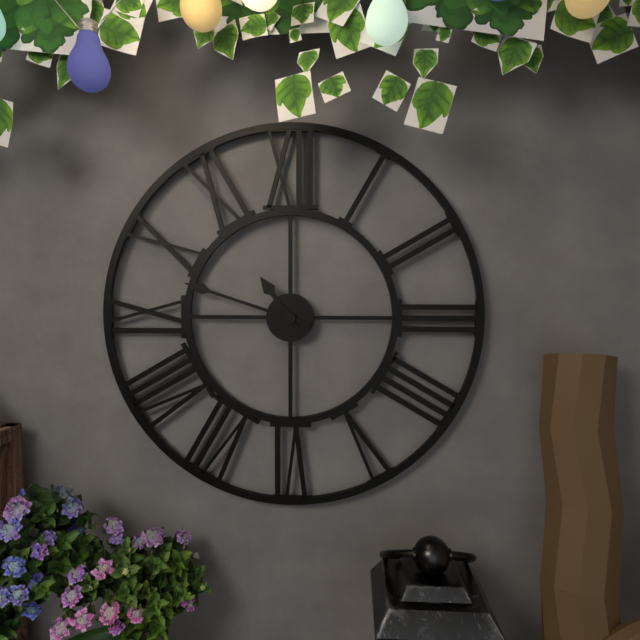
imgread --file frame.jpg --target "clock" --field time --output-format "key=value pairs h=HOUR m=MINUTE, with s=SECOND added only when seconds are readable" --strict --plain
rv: h=10 m=48
